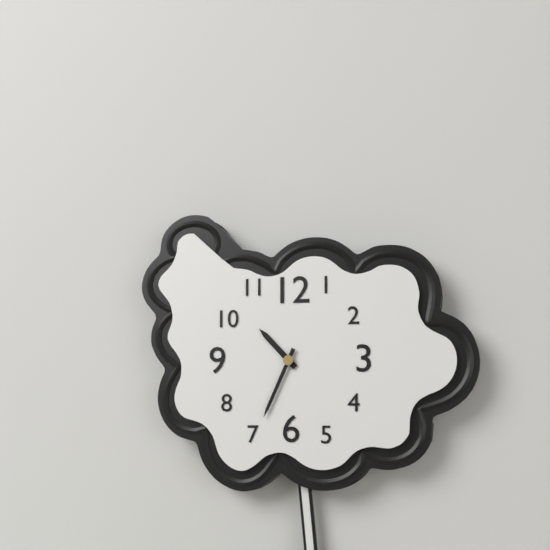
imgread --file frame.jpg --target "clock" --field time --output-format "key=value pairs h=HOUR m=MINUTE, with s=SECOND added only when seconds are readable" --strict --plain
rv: h=10 m=34
